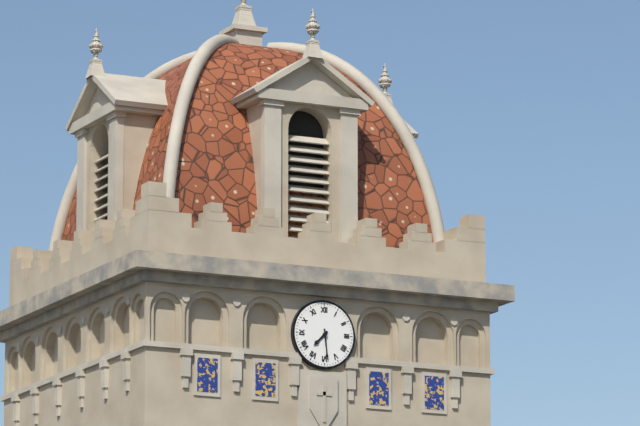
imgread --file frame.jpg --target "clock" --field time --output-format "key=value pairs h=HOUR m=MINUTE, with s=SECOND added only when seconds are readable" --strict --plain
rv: h=7 m=29
